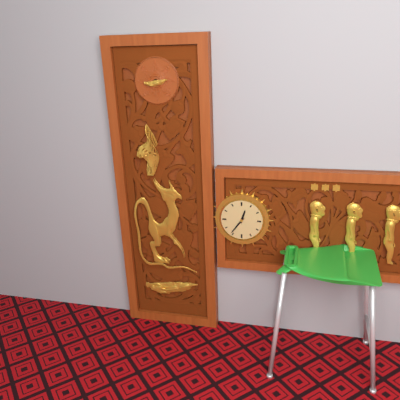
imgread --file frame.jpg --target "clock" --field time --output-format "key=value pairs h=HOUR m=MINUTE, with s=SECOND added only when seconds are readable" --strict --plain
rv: h=12 m=36
